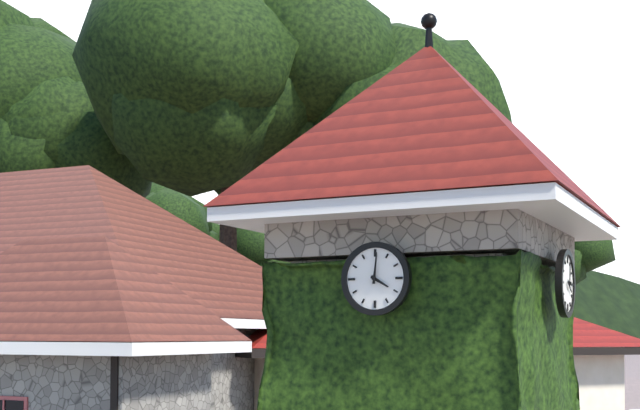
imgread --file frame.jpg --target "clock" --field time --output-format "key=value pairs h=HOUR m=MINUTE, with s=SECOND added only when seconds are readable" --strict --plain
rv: h=4 m=1
